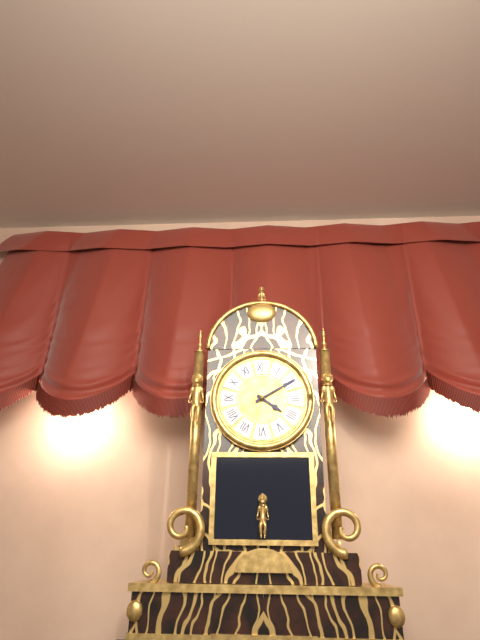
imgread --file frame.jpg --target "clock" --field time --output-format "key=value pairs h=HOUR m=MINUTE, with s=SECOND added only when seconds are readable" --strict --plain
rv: h=4 m=10
